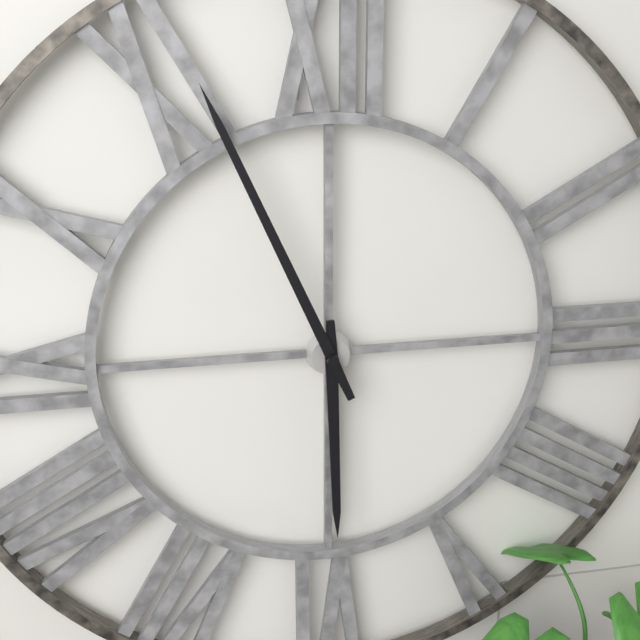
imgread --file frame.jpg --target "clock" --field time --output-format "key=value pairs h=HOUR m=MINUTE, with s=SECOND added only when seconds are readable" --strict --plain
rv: h=5 m=56
